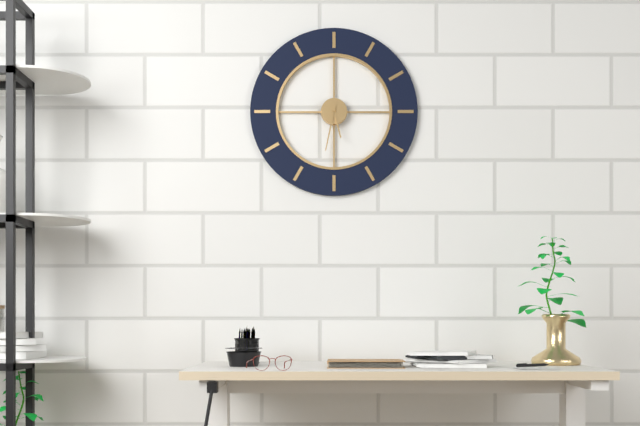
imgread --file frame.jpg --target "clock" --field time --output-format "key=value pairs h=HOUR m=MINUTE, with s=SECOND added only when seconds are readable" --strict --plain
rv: h=5 m=32
